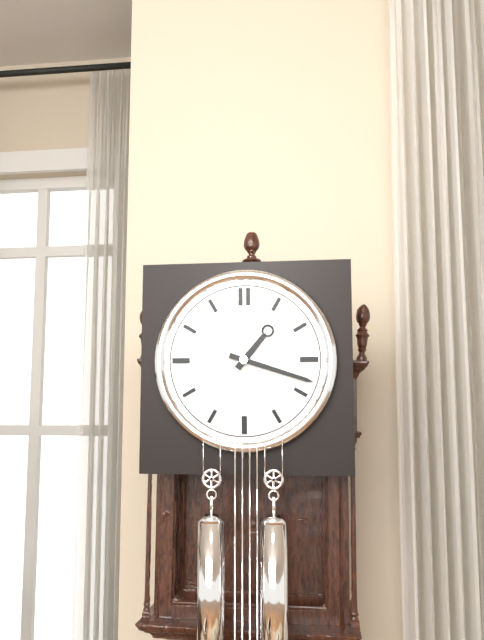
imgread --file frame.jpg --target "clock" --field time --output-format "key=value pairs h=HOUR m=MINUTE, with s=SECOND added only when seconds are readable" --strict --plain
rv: h=1 m=18
